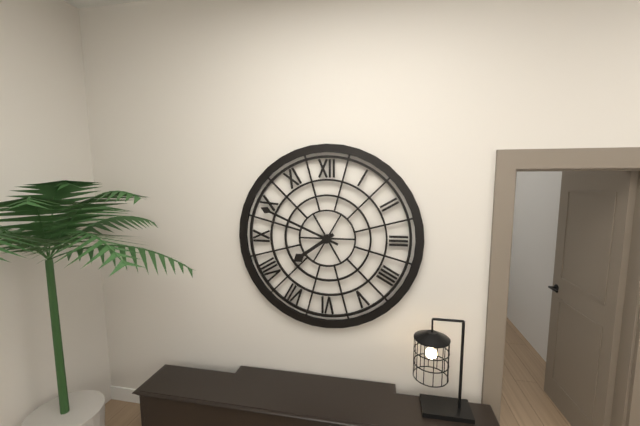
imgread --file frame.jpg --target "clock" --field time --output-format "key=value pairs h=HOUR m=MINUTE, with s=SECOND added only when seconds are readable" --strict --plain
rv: h=7 m=49
